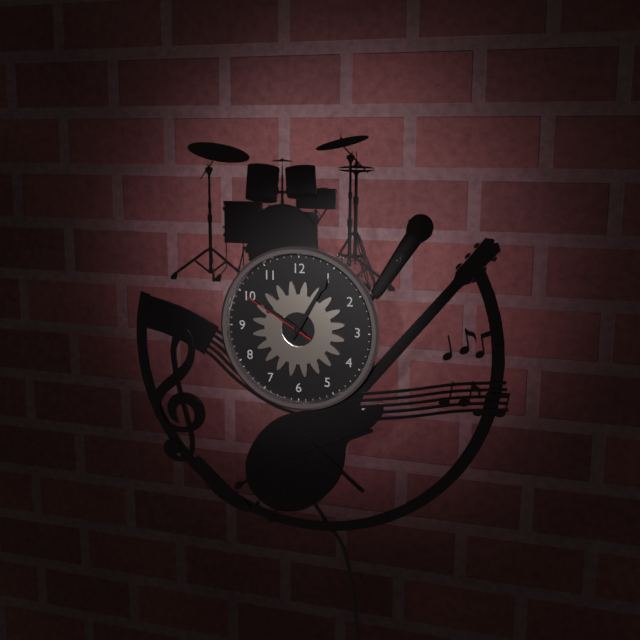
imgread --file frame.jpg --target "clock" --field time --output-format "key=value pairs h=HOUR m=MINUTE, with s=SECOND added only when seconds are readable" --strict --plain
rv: h=10 m=5 s=50
